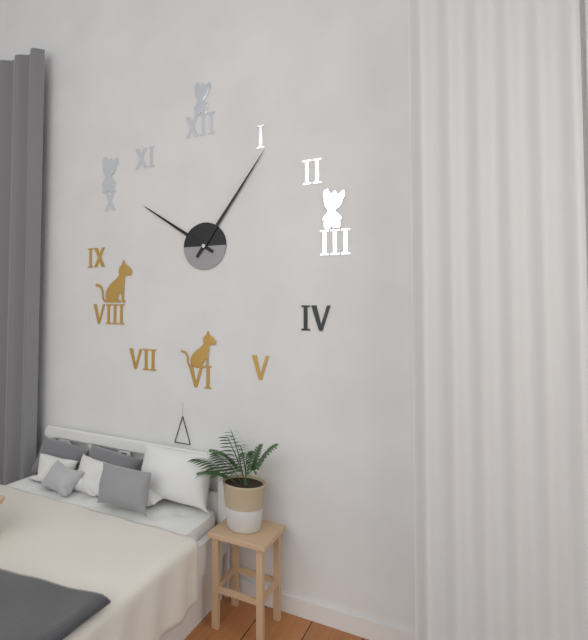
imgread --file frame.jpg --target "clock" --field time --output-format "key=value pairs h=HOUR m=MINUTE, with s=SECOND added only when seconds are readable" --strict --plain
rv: h=10 m=6
